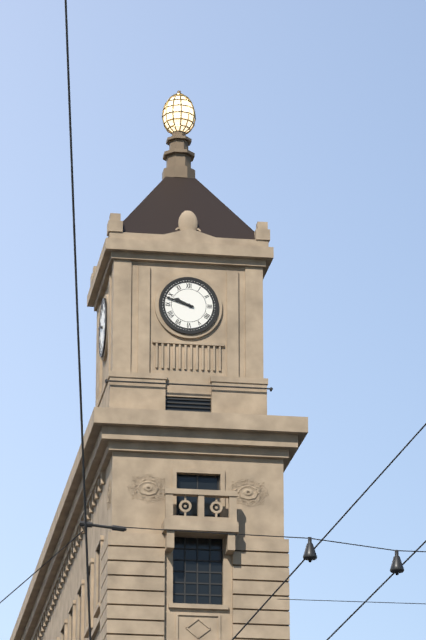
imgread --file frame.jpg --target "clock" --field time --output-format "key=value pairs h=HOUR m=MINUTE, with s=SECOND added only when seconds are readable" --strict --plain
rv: h=9 m=48
